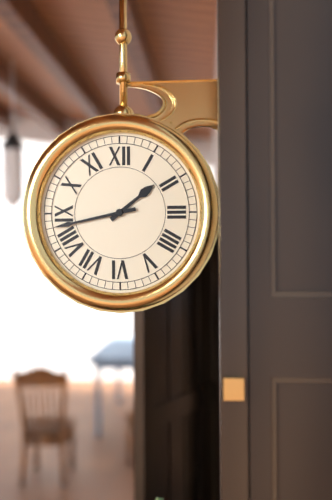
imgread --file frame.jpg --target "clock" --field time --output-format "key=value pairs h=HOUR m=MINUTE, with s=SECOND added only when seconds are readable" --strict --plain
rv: h=1 m=43
